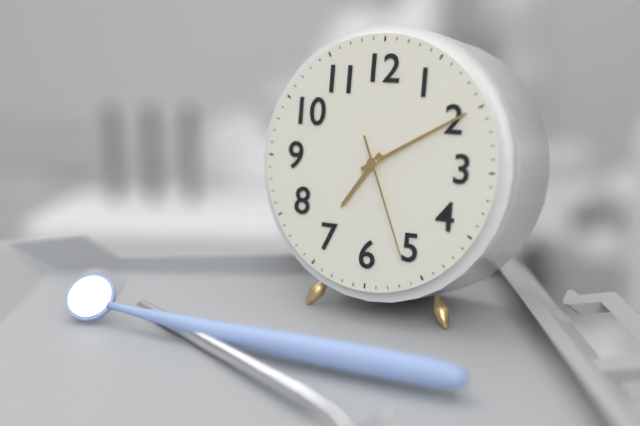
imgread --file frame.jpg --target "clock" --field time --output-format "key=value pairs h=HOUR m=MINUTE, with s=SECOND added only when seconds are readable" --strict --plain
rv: h=7 m=10 s=26
